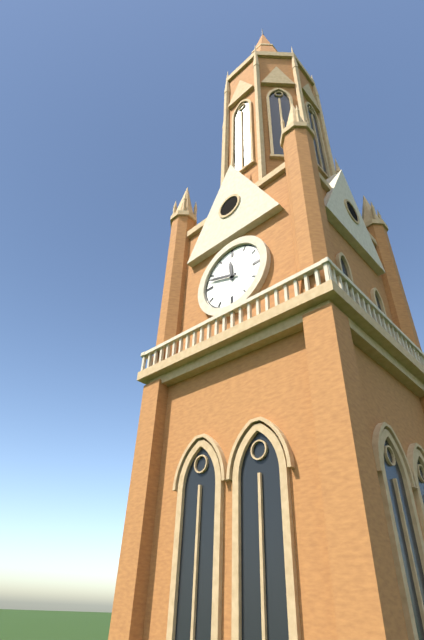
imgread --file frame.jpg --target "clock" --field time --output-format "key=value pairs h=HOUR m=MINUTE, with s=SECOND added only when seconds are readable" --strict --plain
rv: h=11 m=48
